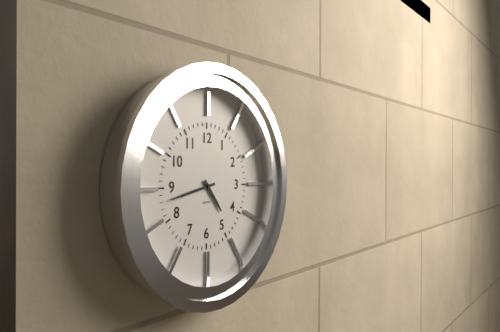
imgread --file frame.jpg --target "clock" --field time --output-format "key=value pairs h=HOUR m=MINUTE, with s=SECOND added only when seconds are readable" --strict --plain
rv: h=4 m=43
